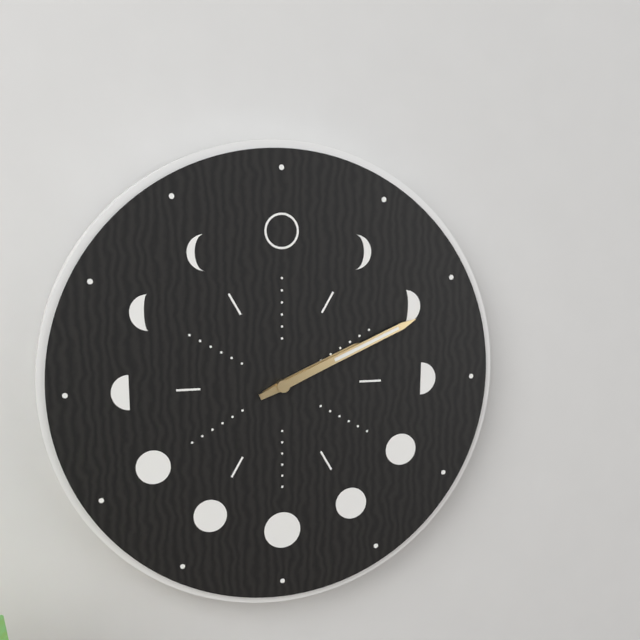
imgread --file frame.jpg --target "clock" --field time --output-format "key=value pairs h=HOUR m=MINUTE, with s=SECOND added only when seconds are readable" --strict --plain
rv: h=2 m=11
